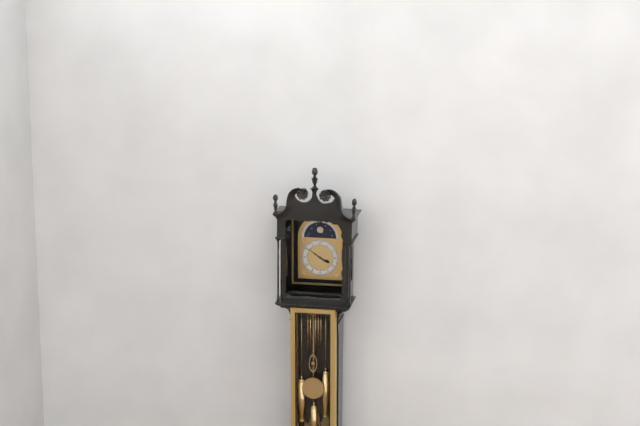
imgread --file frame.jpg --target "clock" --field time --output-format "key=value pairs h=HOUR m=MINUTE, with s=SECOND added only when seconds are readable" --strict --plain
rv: h=3 m=51
